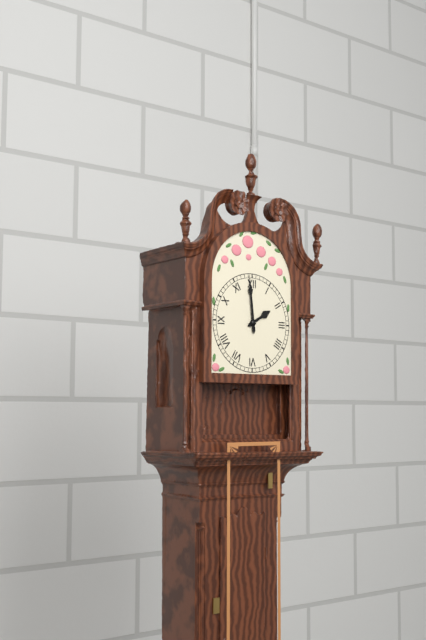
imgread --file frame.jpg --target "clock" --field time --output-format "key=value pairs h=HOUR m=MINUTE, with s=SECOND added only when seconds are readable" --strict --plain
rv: h=1 m=59
